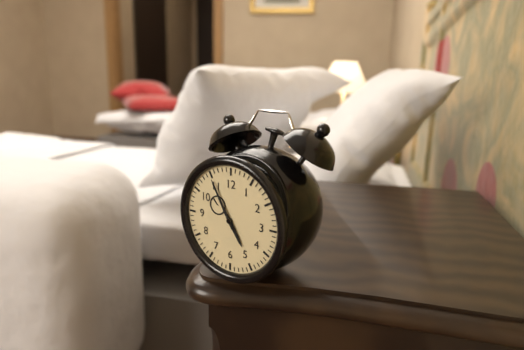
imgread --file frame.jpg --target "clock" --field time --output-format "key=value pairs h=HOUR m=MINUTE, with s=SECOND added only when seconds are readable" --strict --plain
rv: h=4 m=55
